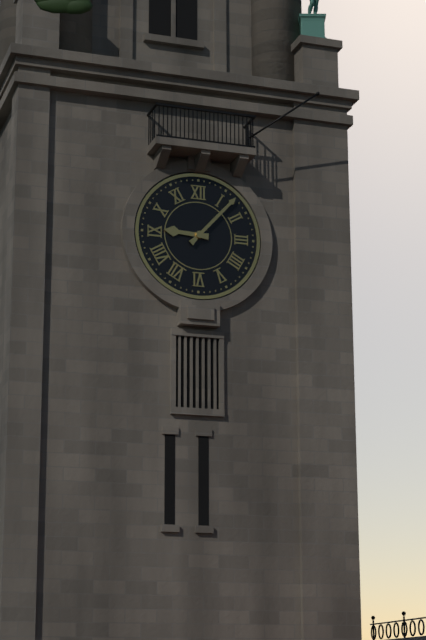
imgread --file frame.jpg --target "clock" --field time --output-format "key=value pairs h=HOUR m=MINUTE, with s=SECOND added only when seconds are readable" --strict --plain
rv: h=9 m=7
